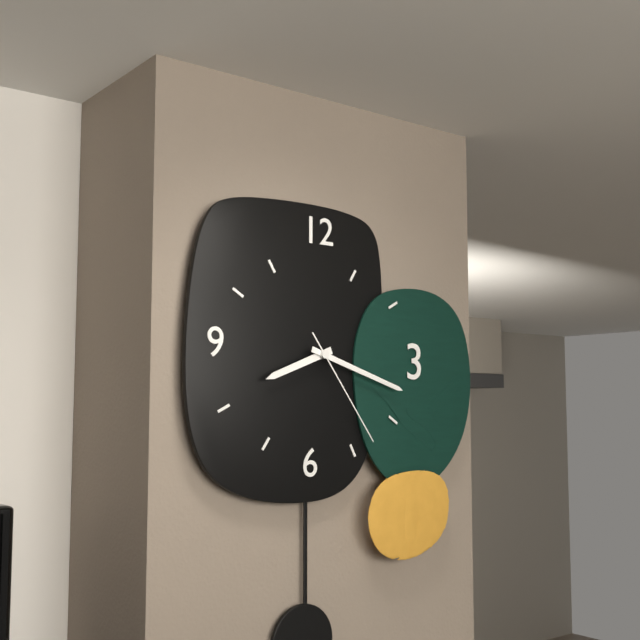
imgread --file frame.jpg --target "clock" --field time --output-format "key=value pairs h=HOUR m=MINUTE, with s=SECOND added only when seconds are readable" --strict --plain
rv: h=8 m=18 s=24
